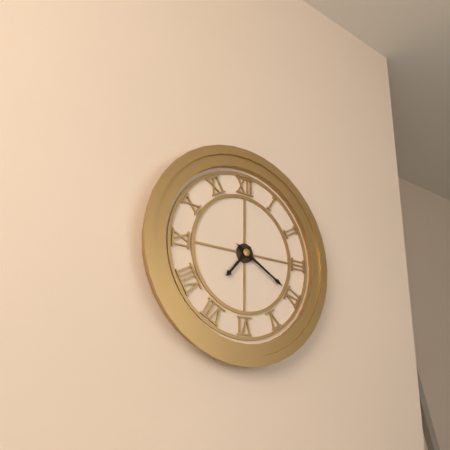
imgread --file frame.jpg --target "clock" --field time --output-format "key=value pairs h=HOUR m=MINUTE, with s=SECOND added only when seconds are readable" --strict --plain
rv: h=7 m=20
